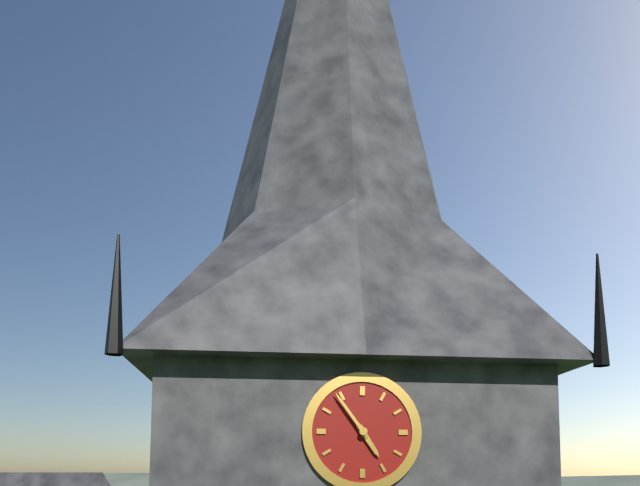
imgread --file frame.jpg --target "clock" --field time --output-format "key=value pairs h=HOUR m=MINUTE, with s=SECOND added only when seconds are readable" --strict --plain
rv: h=4 m=54
